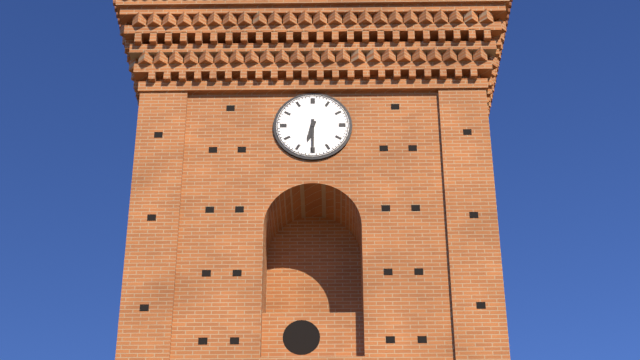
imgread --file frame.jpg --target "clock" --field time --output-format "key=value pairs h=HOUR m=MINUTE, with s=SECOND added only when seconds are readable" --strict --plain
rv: h=6 m=30
